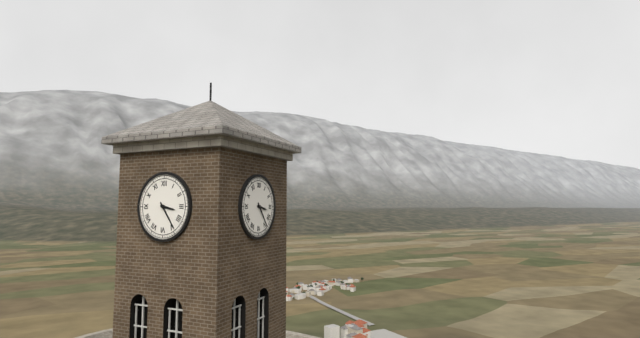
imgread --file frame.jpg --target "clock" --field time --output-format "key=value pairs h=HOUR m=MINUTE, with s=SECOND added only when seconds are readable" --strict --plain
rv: h=3 m=24
